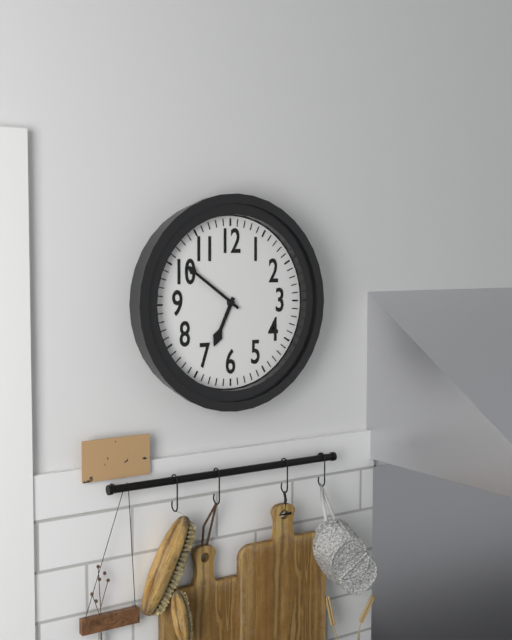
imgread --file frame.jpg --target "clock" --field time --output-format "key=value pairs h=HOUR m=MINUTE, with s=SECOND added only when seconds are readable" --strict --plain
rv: h=6 m=51
